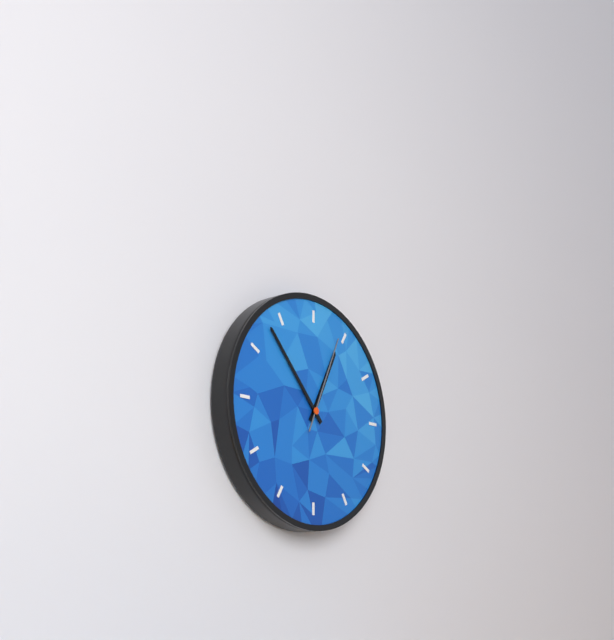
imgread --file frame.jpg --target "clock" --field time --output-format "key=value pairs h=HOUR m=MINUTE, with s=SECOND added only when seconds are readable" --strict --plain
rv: h=12 m=53 s=4
